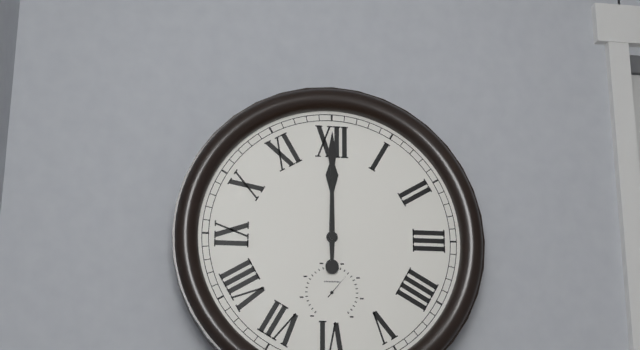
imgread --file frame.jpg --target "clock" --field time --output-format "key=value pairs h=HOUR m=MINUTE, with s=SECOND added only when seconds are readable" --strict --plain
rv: h=12 m=0
